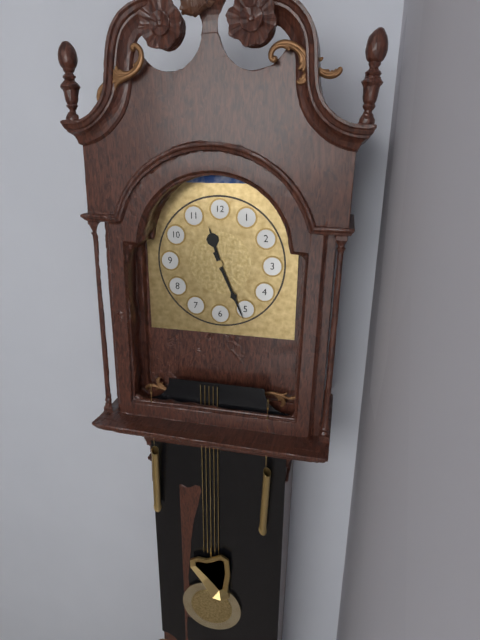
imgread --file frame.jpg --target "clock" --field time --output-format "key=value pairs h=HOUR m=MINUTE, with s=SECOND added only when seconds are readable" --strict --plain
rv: h=11 m=26
